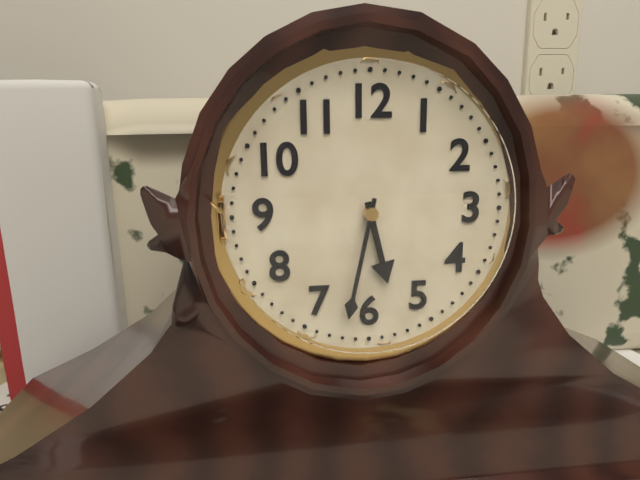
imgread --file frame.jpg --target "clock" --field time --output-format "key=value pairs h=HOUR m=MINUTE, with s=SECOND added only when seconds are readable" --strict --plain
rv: h=5 m=32
